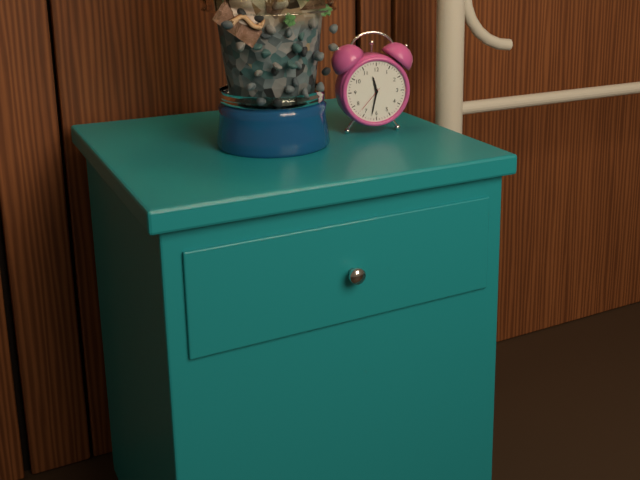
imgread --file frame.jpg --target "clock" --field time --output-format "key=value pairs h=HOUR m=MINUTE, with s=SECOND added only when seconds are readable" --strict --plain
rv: h=11 m=32
